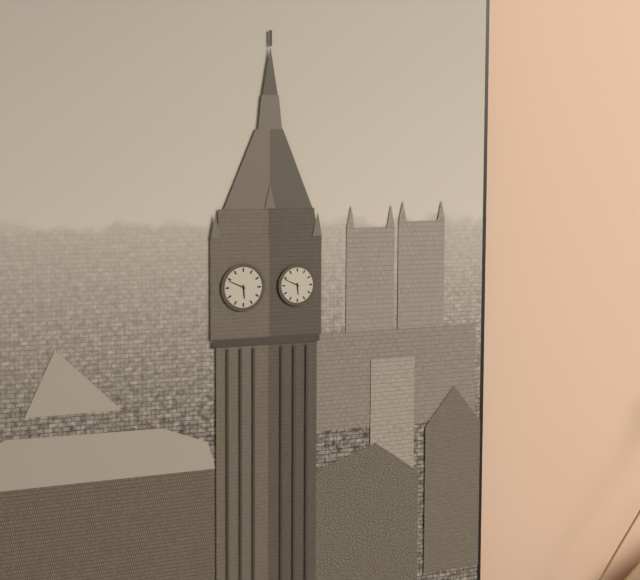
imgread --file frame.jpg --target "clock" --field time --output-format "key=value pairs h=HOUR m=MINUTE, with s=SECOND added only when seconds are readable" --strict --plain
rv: h=5 m=49
